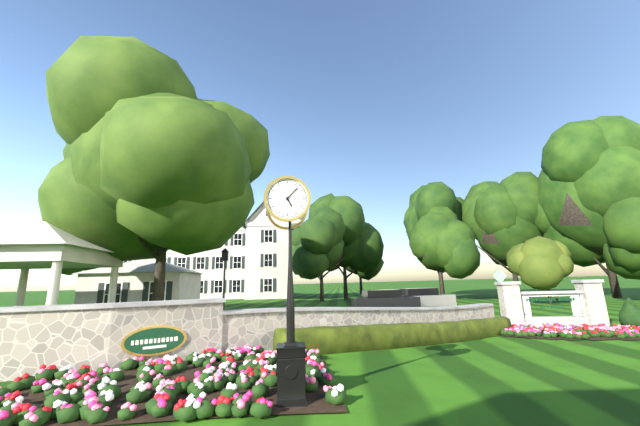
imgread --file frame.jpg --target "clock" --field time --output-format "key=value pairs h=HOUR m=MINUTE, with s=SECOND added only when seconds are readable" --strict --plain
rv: h=5 m=7
